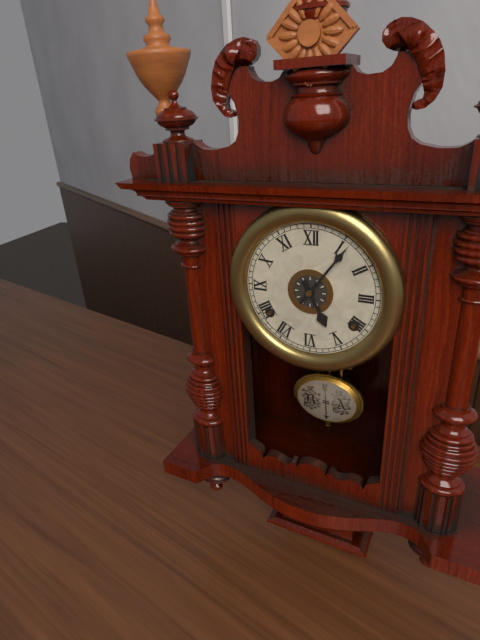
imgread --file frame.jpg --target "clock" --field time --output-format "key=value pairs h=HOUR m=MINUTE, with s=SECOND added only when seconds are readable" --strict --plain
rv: h=5 m=6
